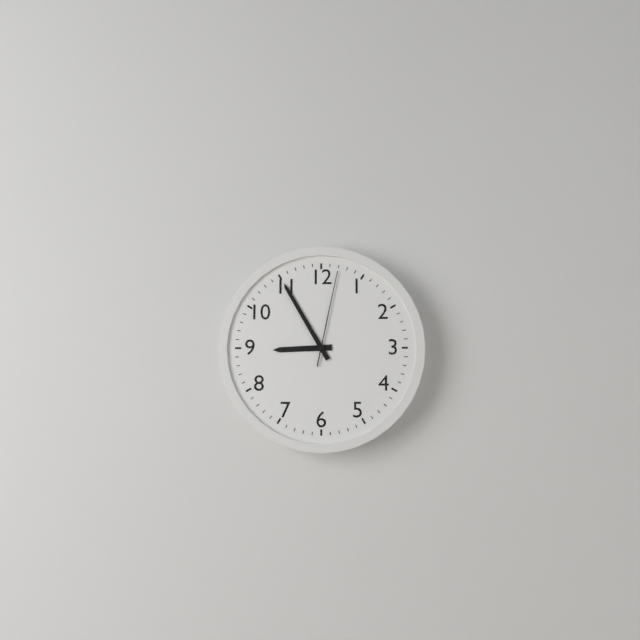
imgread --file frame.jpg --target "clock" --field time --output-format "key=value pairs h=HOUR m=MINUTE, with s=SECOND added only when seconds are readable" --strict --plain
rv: h=8 m=55 s=2
